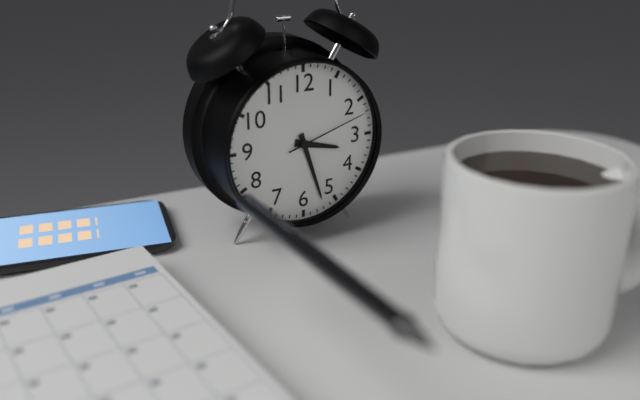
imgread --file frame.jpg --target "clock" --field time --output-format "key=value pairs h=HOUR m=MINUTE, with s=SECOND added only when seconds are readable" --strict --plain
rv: h=3 m=27 s=12
